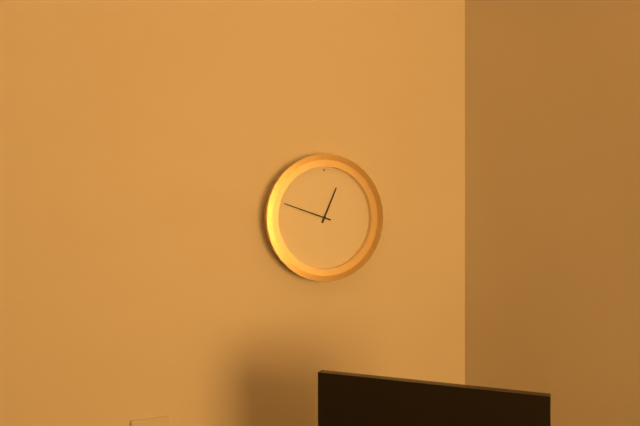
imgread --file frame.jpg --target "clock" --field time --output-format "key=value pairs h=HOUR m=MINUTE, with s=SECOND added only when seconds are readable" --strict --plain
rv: h=12 m=48
